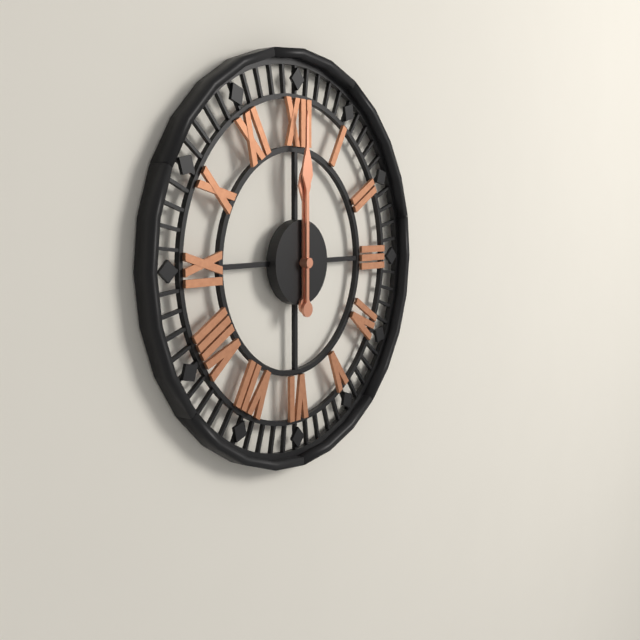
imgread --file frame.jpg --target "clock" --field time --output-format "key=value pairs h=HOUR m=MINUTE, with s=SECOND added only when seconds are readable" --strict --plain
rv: h=12 m=0
